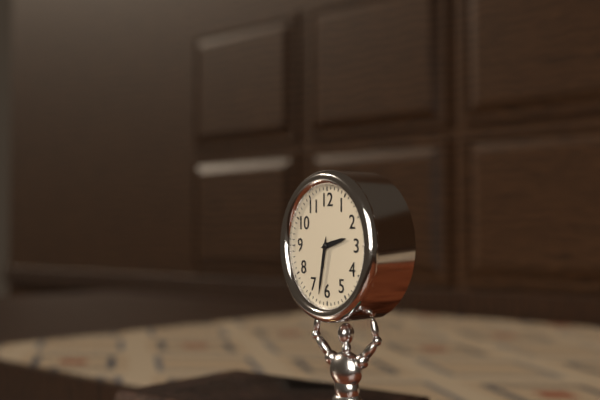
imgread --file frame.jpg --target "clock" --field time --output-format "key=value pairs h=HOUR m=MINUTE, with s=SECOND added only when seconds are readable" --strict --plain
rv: h=2 m=32
